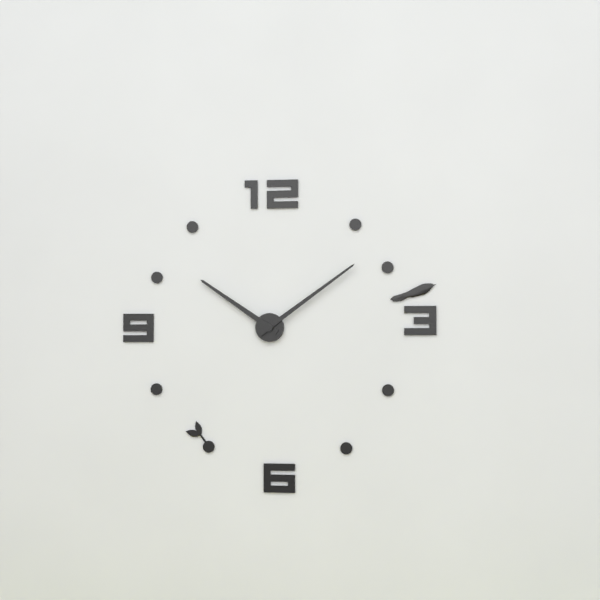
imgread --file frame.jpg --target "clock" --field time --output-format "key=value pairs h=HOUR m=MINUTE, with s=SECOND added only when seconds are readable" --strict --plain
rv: h=10 m=9
